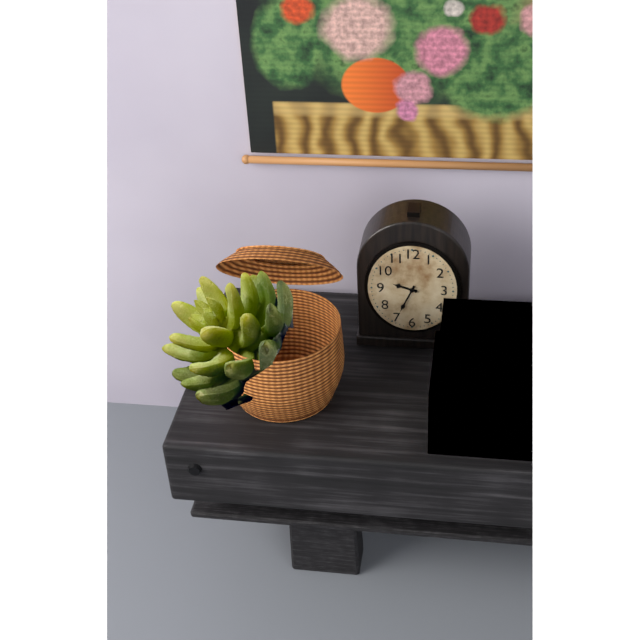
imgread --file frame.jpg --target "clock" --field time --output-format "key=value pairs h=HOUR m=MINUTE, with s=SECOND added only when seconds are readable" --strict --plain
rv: h=9 m=34
